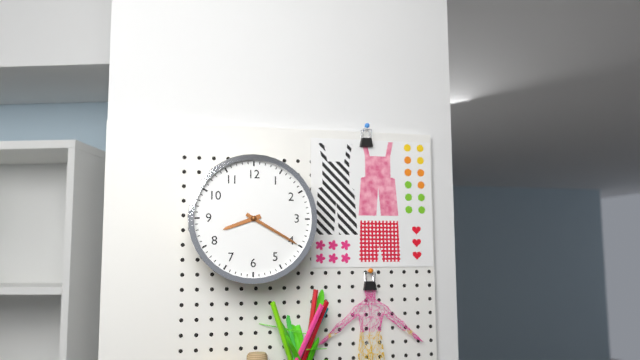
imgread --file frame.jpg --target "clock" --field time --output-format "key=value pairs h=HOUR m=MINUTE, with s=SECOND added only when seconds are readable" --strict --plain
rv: h=8 m=20
